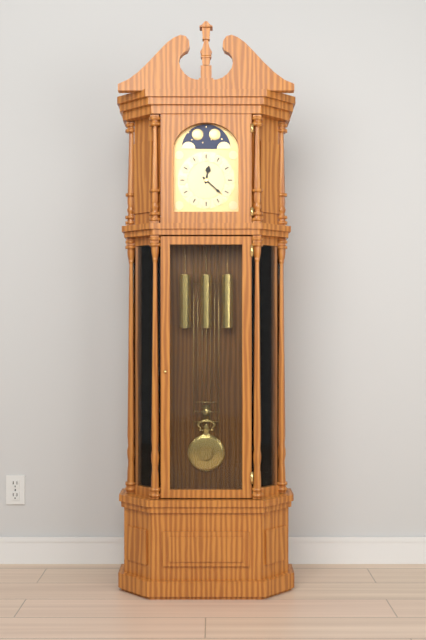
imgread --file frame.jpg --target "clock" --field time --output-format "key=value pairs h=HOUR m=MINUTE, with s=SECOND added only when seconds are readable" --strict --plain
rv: h=12 m=22
